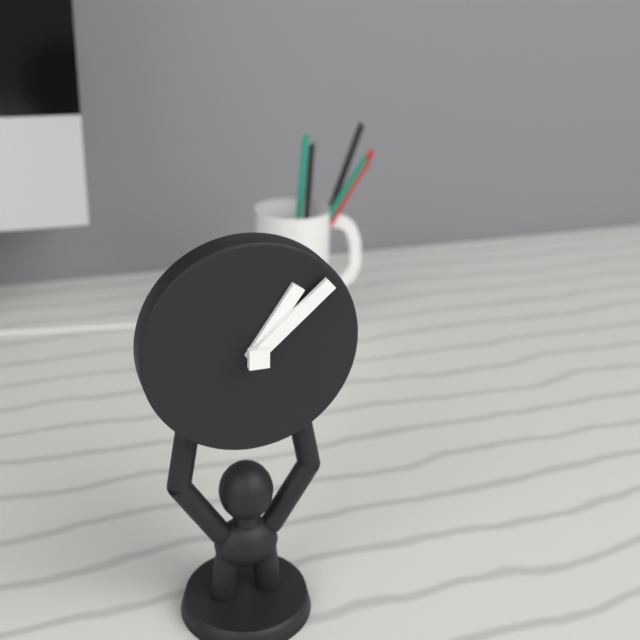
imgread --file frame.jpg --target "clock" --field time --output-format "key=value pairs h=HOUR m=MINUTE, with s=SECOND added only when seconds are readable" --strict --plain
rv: h=1 m=8
